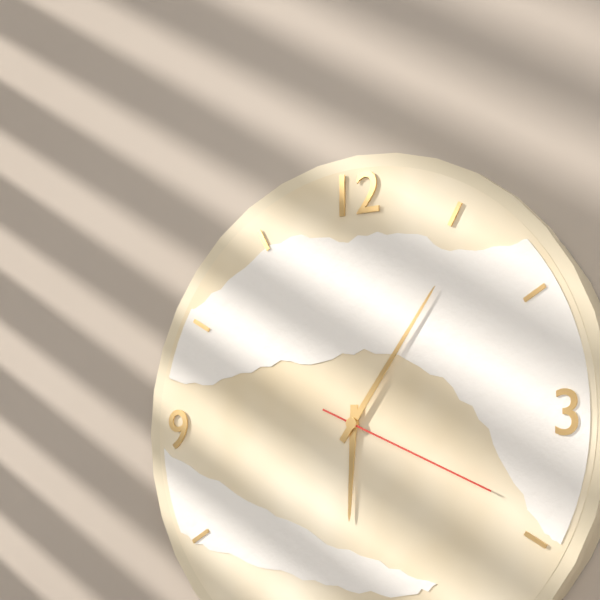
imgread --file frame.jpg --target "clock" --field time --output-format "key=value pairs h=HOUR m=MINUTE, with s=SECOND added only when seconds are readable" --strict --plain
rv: h=6 m=6 s=19
